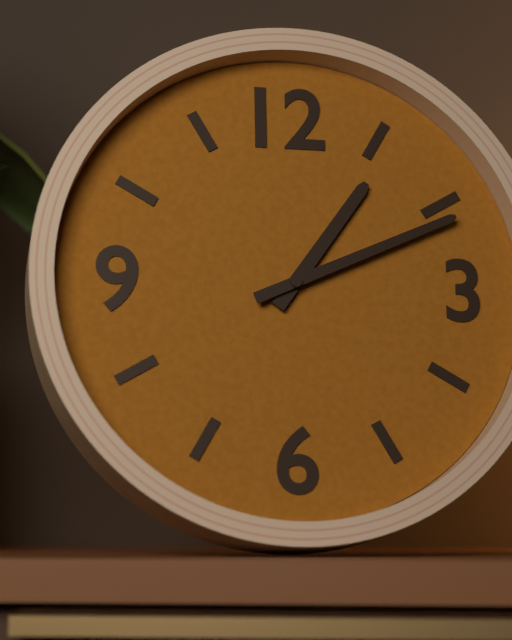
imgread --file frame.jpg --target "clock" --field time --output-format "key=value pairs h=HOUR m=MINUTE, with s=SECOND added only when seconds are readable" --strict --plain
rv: h=1 m=11
